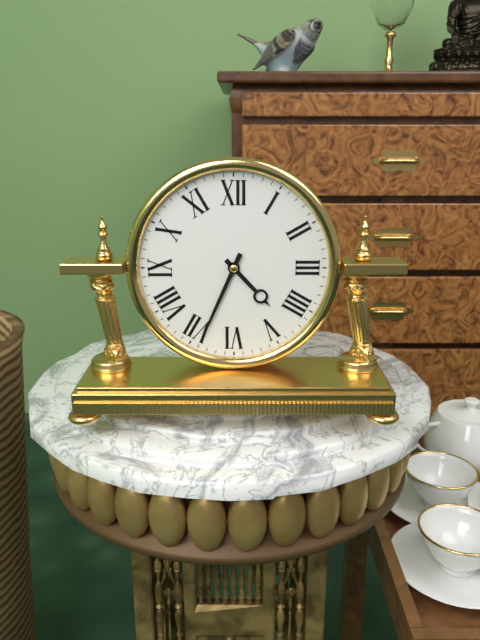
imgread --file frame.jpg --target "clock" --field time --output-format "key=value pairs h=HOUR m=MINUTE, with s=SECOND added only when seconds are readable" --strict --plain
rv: h=4 m=34
